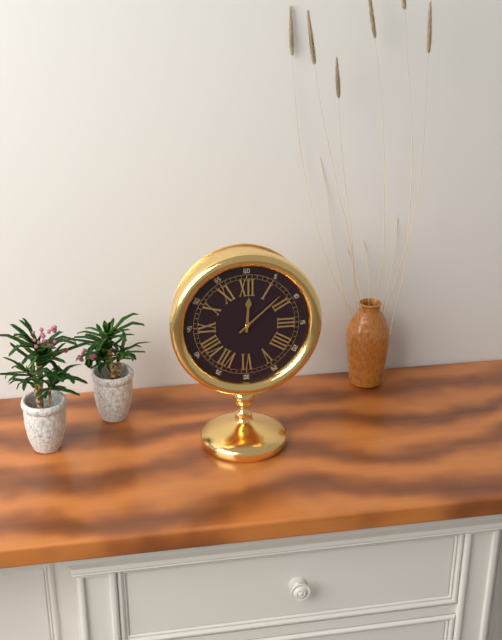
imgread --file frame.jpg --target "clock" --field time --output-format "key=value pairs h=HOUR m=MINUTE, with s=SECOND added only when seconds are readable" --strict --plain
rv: h=12 m=8
